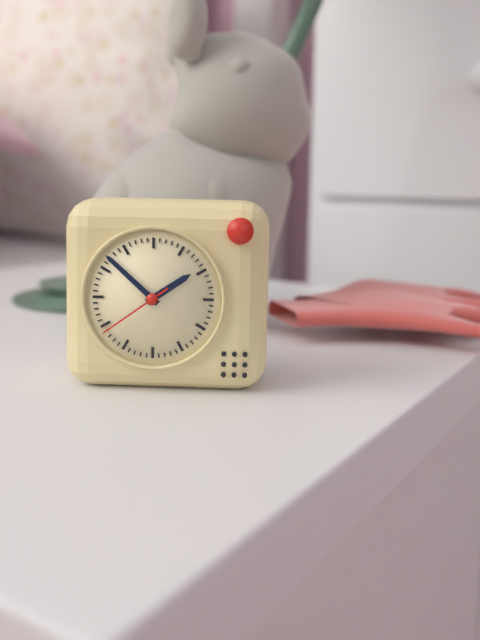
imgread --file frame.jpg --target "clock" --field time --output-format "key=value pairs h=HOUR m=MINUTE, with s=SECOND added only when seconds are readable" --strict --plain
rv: h=1 m=52 s=39
